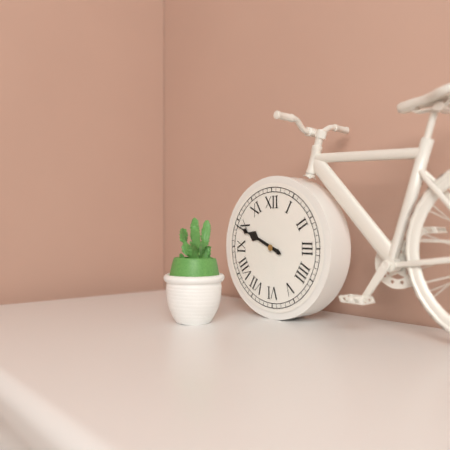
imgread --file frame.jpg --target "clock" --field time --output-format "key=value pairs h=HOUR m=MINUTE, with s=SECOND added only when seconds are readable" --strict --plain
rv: h=9 m=49
